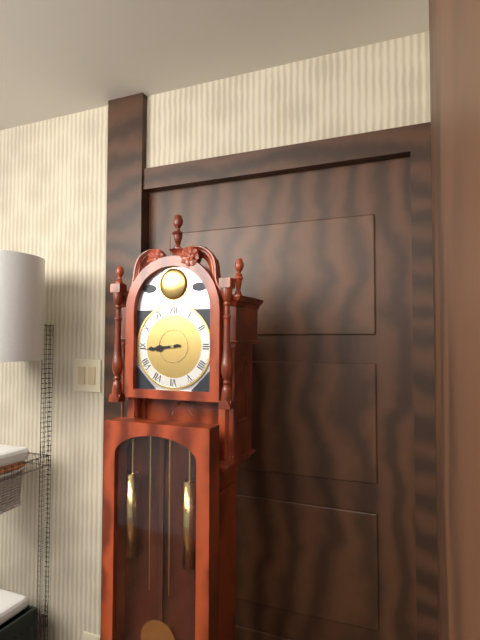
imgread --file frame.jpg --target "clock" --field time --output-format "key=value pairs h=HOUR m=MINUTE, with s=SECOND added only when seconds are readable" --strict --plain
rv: h=8 m=44
